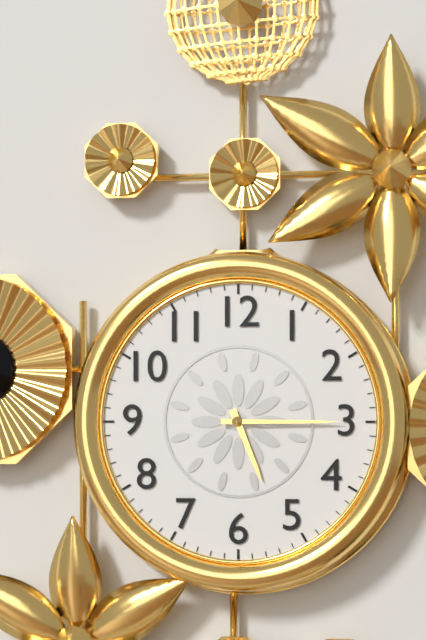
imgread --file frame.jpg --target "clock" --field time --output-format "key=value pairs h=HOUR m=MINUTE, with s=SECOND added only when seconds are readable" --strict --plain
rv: h=5 m=15
